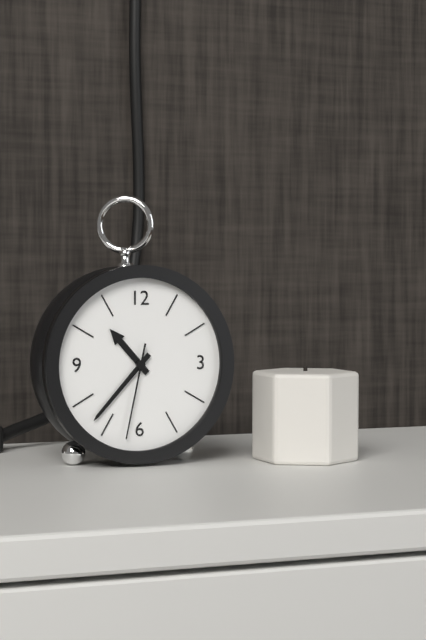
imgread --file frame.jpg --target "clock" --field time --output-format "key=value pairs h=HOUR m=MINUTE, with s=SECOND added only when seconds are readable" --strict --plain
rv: h=10 m=37 s=32
